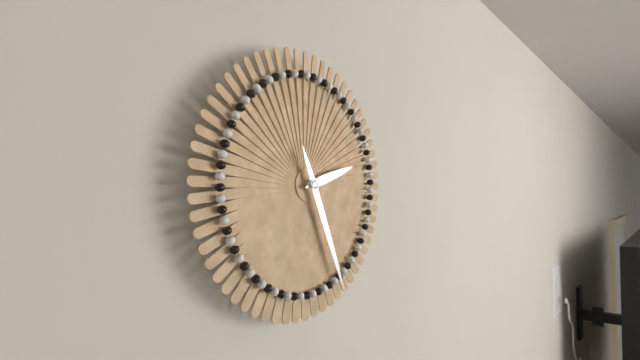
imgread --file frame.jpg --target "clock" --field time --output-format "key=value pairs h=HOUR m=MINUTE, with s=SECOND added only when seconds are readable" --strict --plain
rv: h=2 m=26
